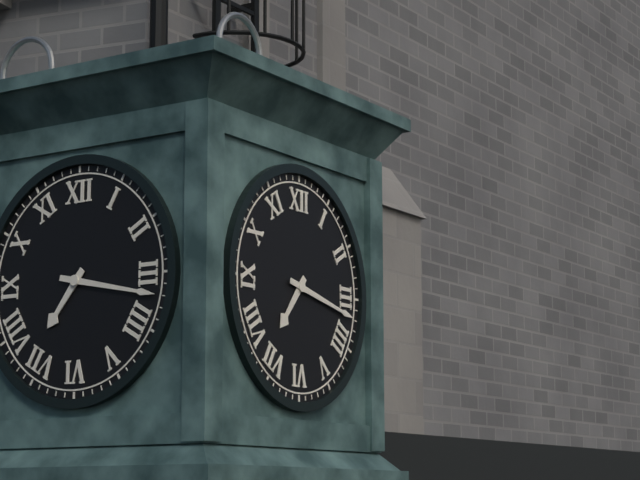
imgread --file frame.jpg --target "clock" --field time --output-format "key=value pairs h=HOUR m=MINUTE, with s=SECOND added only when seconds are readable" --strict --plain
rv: h=7 m=17
